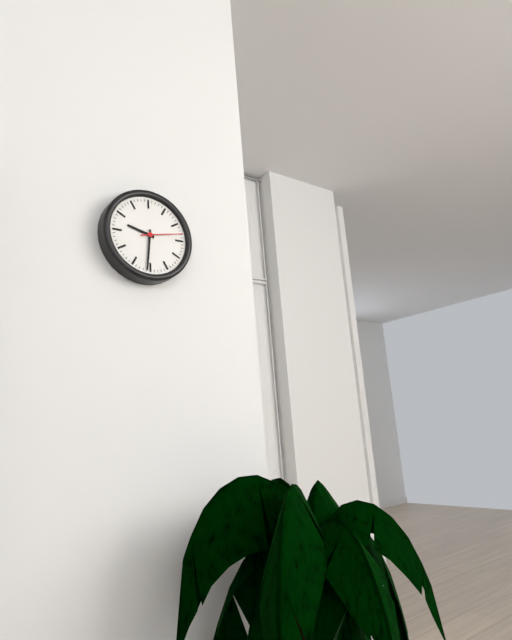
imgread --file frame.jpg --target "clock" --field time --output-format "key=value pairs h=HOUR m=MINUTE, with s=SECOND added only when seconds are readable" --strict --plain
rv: h=9 m=31
